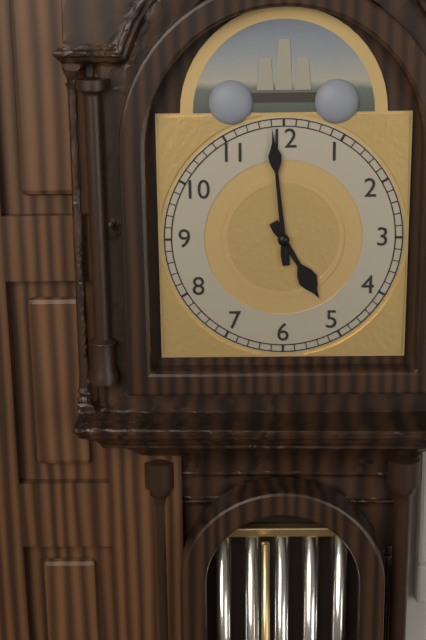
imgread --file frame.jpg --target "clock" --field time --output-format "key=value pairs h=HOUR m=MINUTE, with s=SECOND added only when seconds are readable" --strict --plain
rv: h=4 m=59
